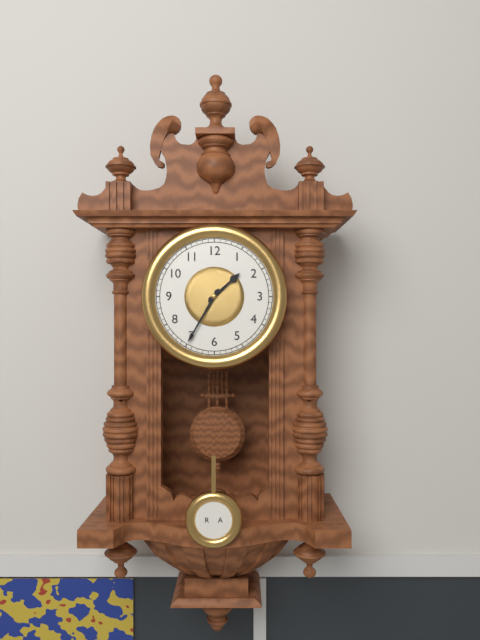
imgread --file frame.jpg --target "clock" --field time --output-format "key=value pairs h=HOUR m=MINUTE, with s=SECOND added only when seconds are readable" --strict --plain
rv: h=1 m=35
